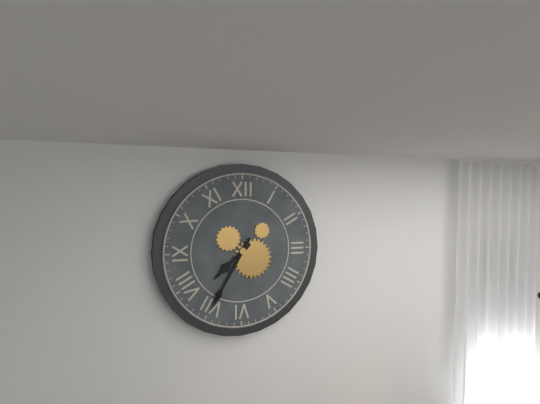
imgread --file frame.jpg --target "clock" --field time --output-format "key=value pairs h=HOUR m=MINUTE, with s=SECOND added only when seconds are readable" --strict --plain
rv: h=7 m=35
